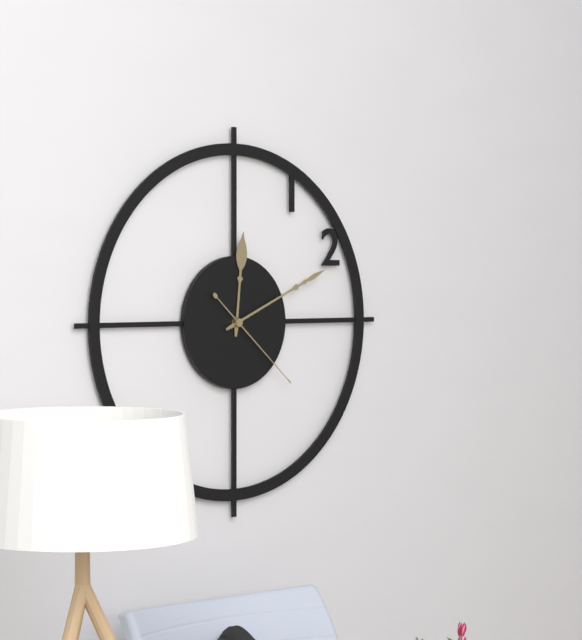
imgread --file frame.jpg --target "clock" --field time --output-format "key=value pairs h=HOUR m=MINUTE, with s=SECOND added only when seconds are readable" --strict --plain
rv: h=12 m=11 s=22
